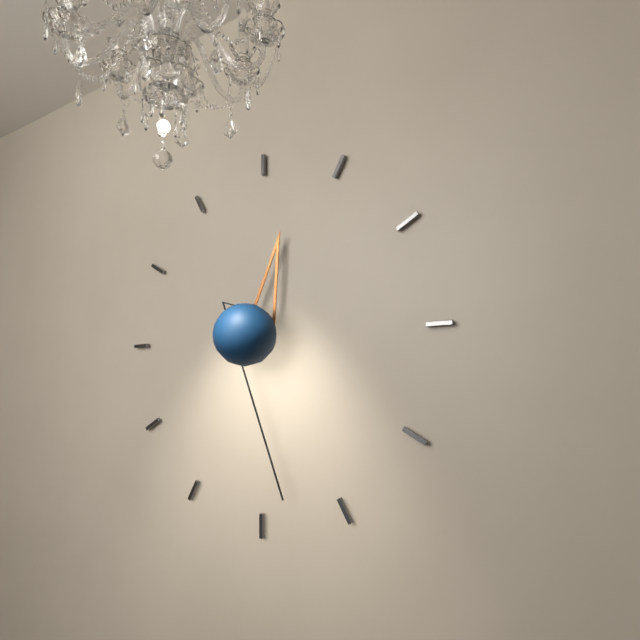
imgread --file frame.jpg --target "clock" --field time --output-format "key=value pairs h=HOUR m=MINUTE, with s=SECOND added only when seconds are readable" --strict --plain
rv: h=12 m=28
